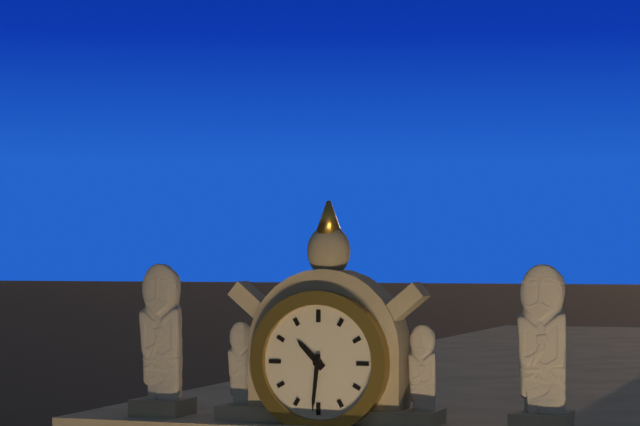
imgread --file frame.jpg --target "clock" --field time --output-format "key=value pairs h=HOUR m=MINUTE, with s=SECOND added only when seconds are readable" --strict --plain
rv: h=10 m=31
